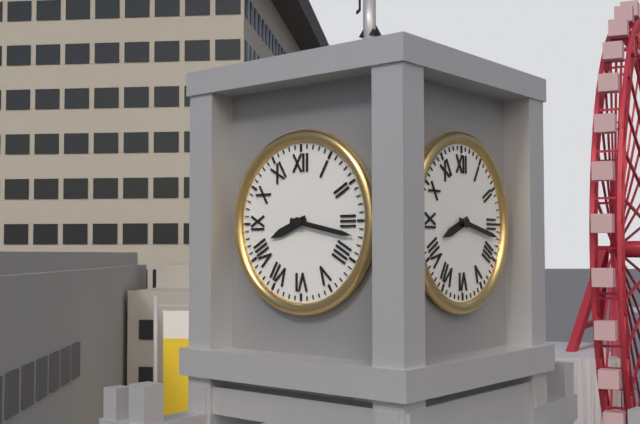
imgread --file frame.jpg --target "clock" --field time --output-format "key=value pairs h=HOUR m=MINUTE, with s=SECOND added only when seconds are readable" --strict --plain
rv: h=8 m=17
